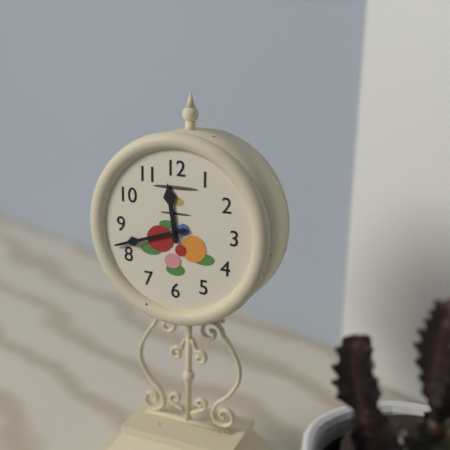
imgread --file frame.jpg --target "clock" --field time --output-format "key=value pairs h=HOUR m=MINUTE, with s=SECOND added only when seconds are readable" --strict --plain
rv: h=11 m=42
